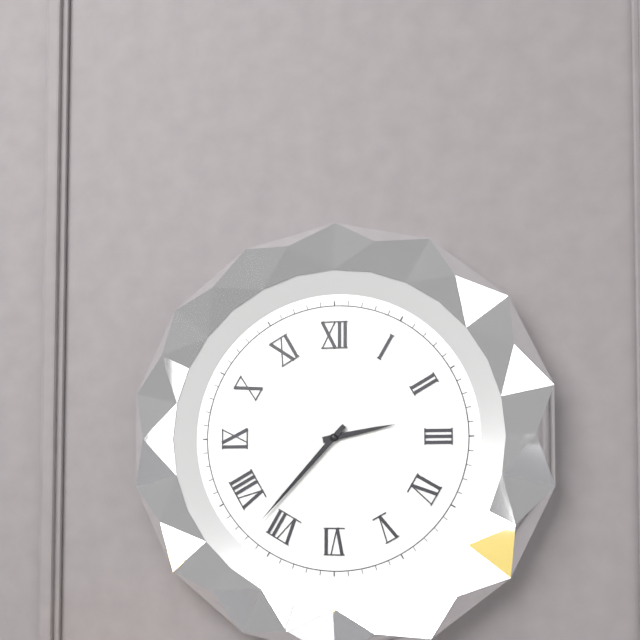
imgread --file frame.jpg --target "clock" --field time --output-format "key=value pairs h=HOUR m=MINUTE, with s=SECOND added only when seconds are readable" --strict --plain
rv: h=2 m=37
